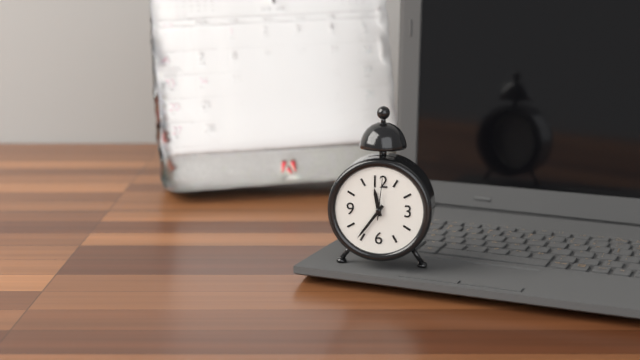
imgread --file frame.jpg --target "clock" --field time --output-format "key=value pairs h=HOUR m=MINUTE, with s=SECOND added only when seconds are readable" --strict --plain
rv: h=11 m=36
